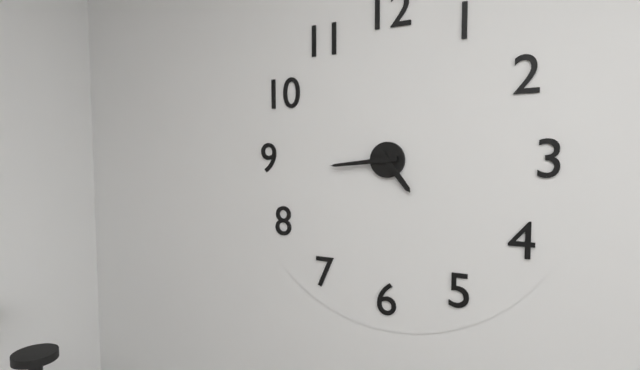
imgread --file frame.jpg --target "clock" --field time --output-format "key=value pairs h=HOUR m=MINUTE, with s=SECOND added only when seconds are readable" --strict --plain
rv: h=4 m=44
